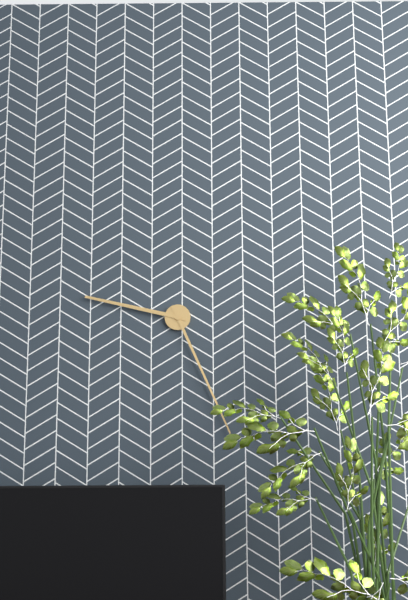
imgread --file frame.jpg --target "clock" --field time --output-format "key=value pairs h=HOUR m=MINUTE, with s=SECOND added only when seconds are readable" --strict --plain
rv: h=9 m=26
